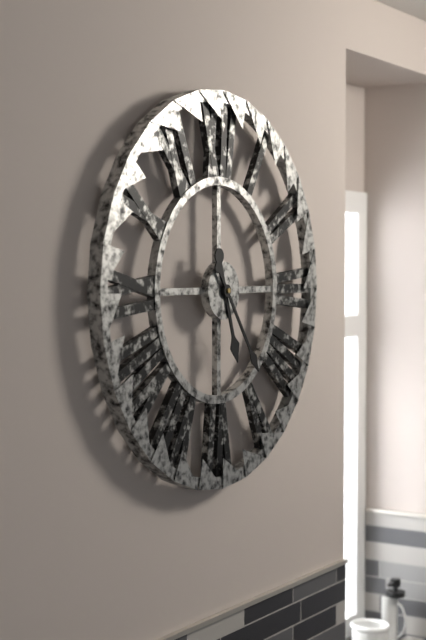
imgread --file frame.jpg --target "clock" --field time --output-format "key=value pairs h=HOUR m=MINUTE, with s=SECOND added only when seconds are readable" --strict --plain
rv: h=5 m=24
